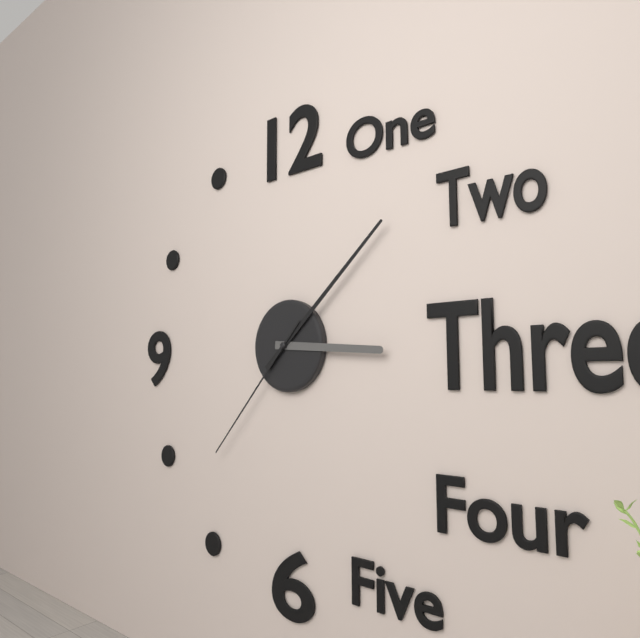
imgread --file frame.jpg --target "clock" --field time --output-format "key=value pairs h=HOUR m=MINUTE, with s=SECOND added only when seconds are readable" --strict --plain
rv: h=3 m=8 s=37
